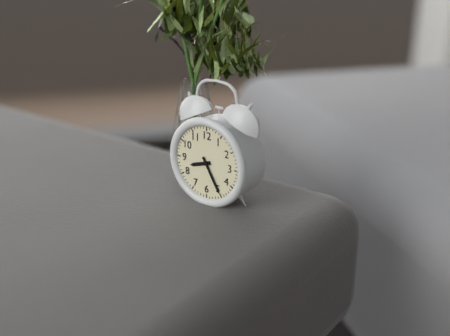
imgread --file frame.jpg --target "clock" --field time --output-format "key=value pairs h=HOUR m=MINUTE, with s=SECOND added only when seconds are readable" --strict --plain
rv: h=8 m=25
